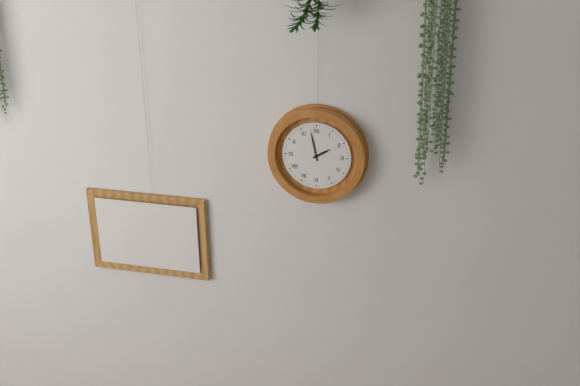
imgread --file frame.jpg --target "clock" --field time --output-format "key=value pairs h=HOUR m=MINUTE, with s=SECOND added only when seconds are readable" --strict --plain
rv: h=1 m=58
